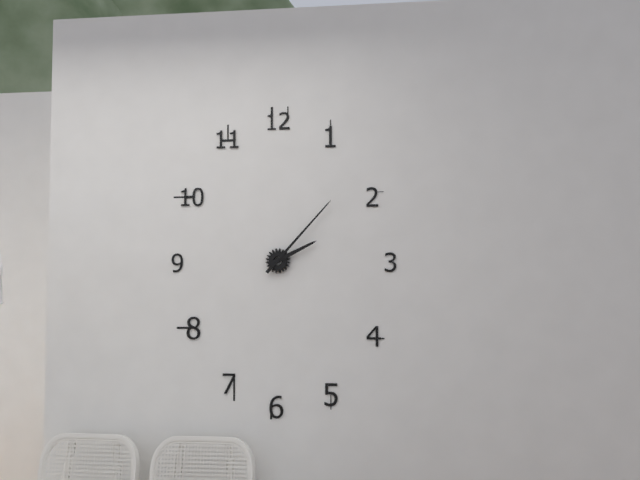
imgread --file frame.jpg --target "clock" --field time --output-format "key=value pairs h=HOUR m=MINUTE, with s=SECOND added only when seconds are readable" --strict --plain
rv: h=2 m=7
